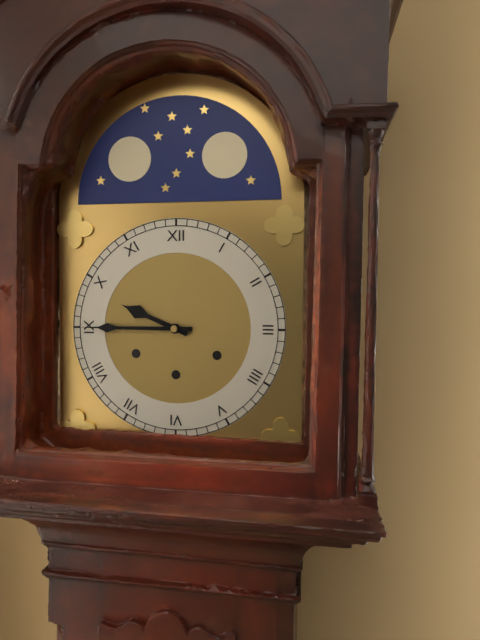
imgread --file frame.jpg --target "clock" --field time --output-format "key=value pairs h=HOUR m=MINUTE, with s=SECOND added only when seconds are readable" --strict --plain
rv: h=9 m=45
